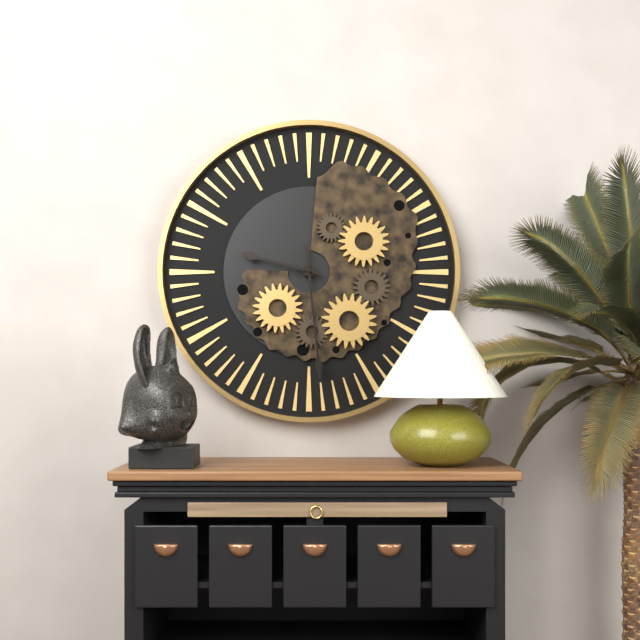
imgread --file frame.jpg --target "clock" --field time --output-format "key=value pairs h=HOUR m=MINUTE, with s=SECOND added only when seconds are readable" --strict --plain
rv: h=9 m=29
